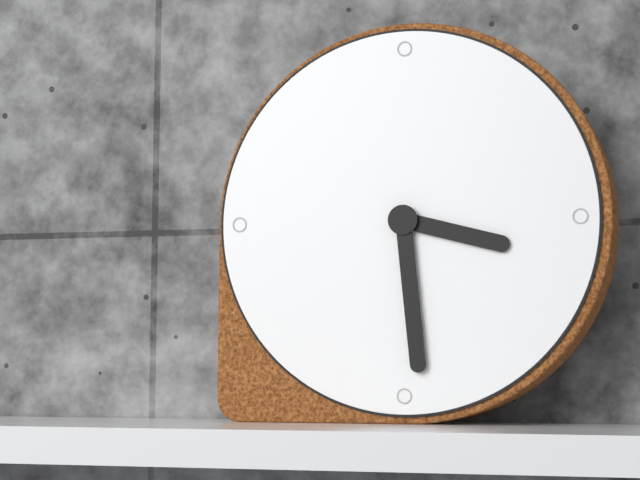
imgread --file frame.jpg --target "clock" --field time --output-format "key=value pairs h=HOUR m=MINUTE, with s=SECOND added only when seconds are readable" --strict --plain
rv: h=3 m=29
